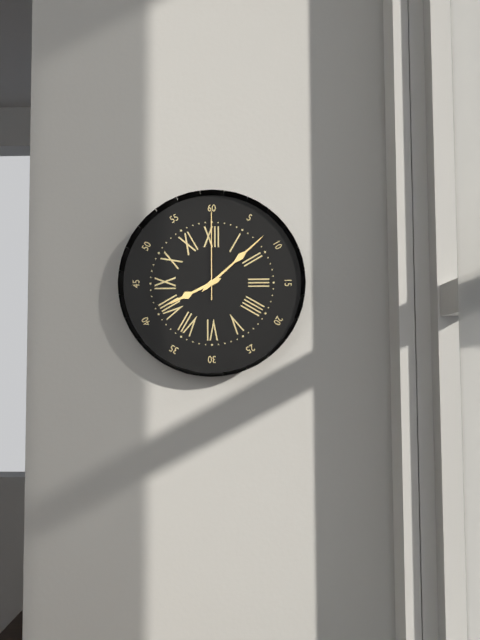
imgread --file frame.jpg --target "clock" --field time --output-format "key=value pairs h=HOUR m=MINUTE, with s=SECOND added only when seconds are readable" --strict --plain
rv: h=8 m=8 s=0
